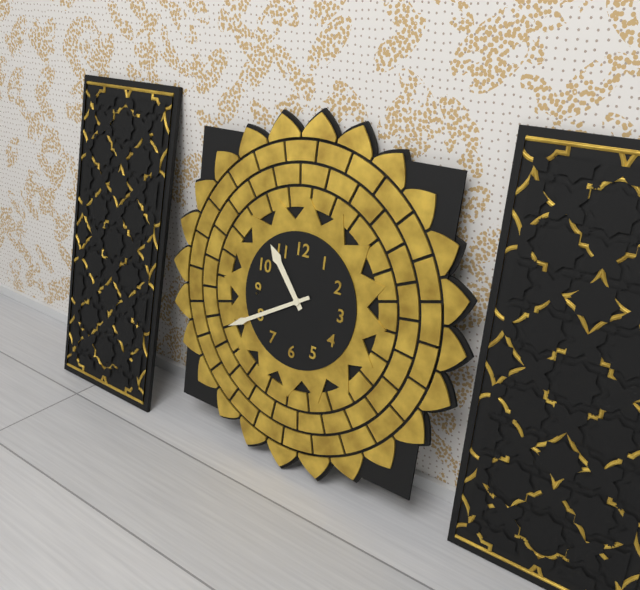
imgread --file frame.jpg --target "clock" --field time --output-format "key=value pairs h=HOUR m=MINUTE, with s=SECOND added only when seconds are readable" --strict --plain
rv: h=10 m=40
